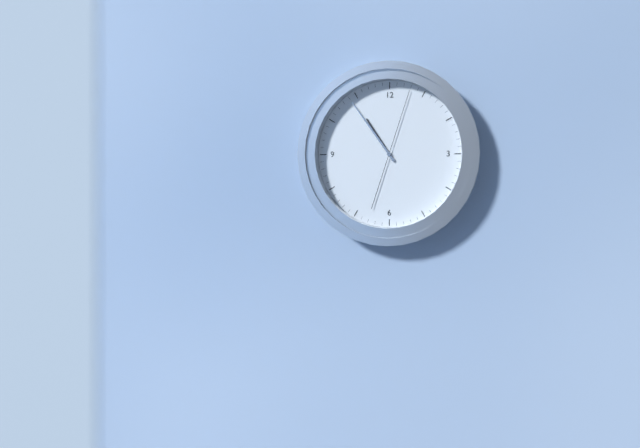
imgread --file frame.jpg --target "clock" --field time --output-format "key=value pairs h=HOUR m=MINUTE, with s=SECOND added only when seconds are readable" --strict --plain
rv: h=10 m=54 s=3
